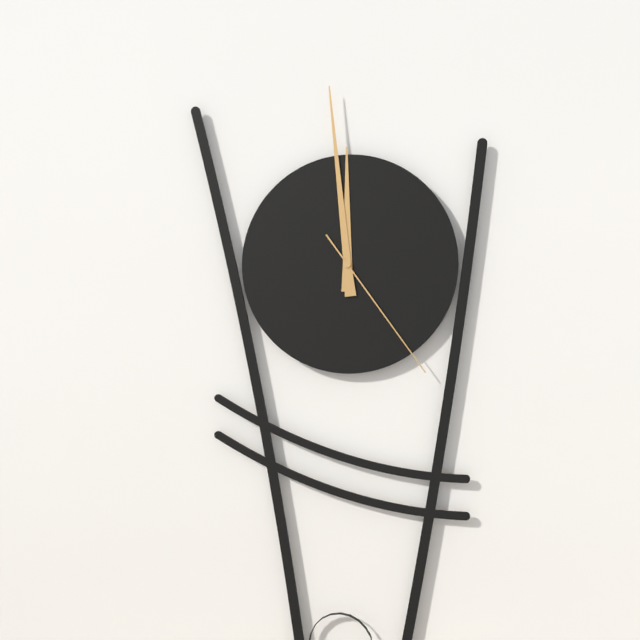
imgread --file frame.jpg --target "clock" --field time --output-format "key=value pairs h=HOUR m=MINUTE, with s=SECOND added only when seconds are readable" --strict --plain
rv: h=11 m=59 s=24
